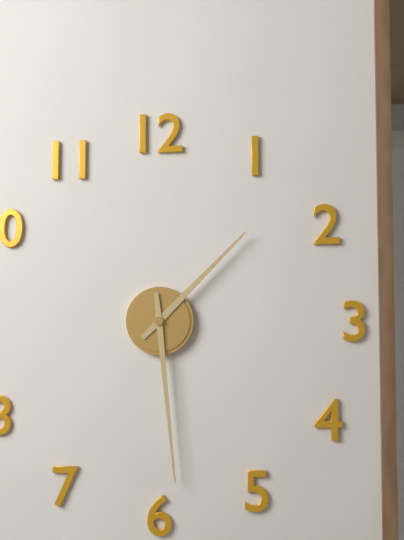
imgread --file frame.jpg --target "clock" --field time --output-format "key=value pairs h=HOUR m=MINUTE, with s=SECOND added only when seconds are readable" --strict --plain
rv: h=1 m=29
